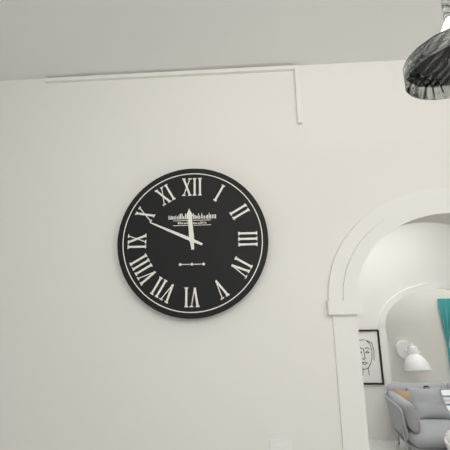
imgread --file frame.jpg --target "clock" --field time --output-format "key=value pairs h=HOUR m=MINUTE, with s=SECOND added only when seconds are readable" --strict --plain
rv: h=11 m=49
